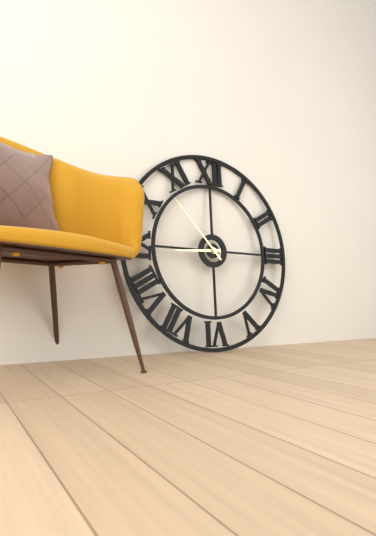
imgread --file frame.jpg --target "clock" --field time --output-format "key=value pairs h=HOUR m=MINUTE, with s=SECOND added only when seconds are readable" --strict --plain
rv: h=8 m=53
